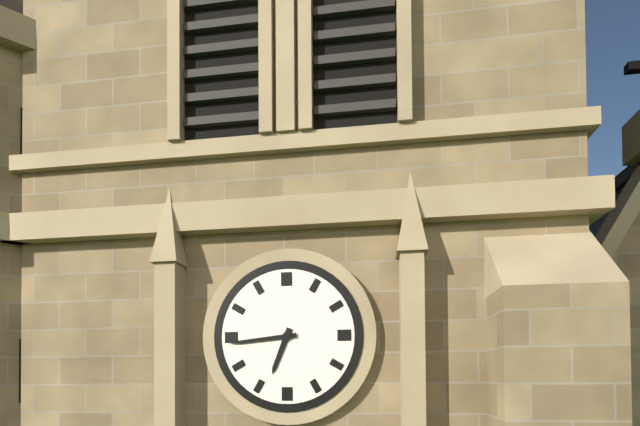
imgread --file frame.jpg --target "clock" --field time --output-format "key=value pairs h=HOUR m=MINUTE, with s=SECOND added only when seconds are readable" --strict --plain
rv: h=6 m=44
